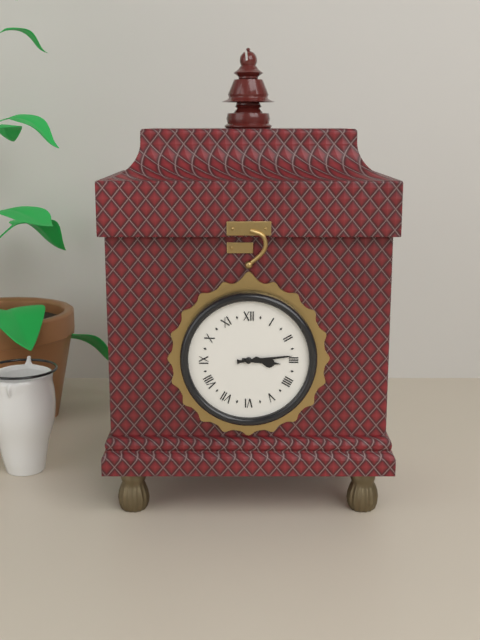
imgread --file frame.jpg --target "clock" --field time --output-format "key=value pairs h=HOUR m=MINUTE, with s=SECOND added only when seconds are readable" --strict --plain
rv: h=3 m=14
